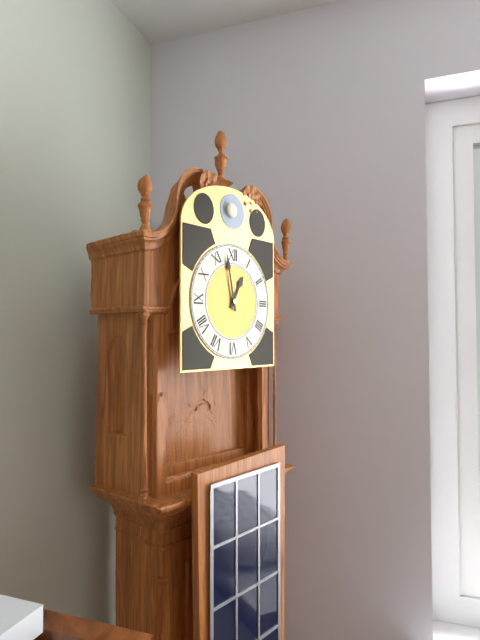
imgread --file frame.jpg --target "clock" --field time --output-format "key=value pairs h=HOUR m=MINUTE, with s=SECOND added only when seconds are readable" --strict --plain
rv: h=12 m=58
